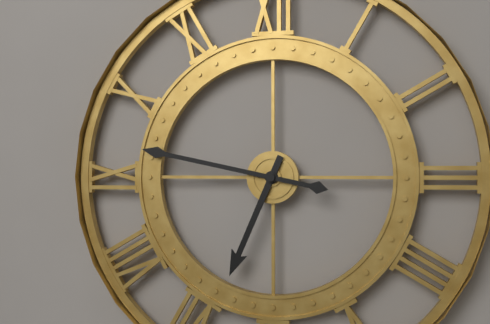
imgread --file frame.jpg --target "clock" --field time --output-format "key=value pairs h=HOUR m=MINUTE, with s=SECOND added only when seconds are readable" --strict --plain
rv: h=6 m=47
